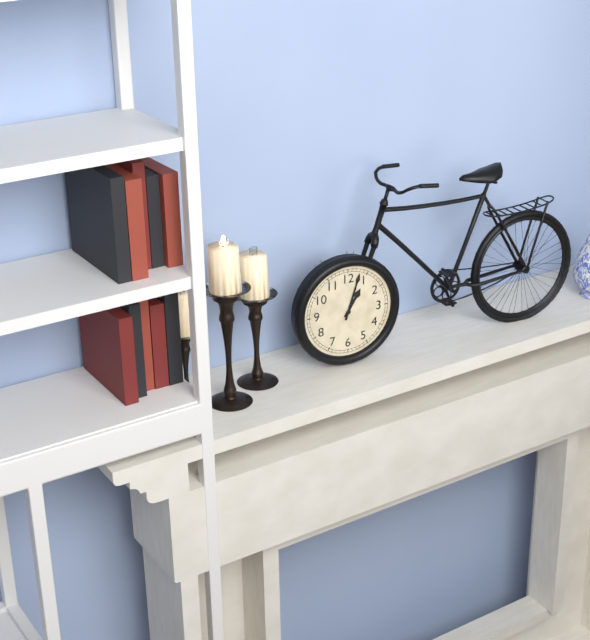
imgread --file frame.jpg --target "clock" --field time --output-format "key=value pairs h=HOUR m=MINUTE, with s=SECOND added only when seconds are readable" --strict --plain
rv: h=1 m=3
